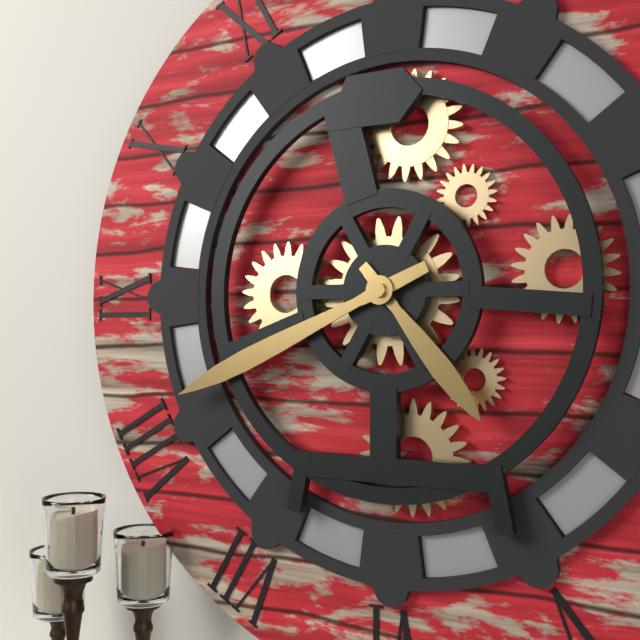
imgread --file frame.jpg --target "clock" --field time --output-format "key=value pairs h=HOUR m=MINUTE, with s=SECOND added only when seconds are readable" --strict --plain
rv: h=4 m=41
